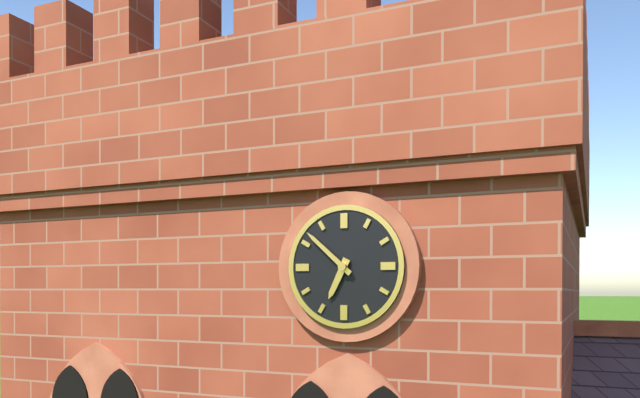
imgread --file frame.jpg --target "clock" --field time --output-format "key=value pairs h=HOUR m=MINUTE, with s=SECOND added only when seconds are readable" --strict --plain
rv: h=6 m=52
